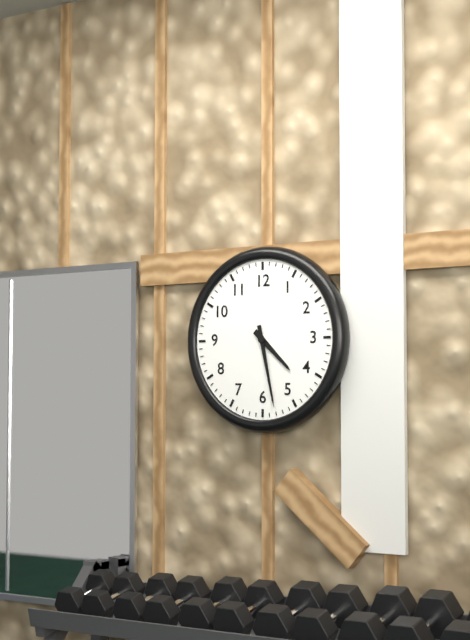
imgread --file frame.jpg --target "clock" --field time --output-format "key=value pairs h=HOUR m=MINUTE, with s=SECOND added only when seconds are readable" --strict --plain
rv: h=4 m=28
